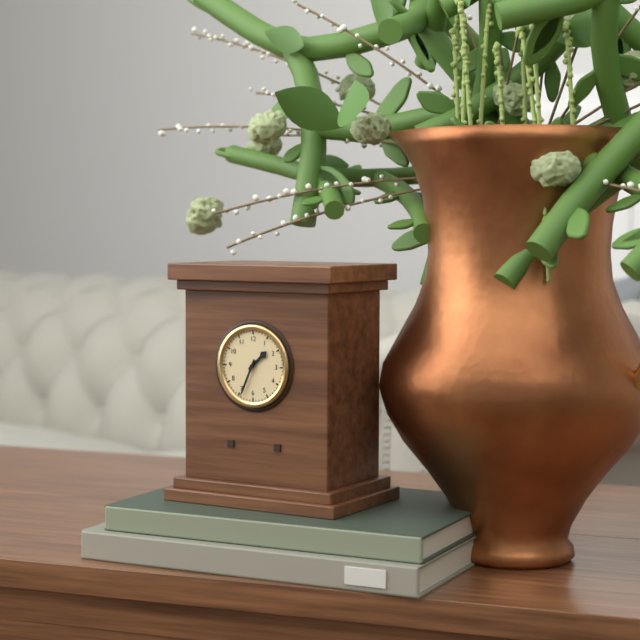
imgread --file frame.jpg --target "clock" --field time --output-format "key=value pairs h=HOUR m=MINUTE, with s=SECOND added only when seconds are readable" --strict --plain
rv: h=1 m=34
